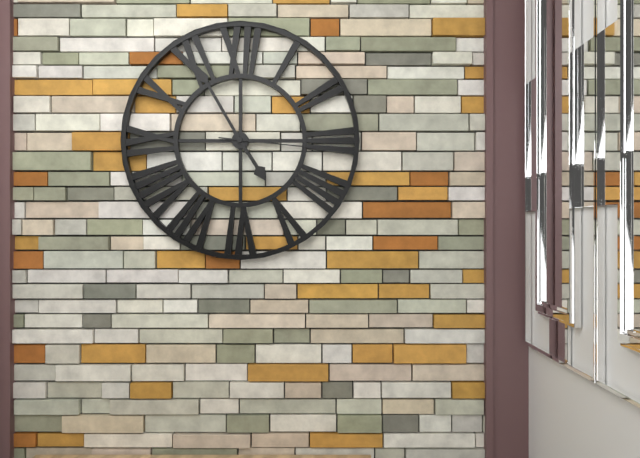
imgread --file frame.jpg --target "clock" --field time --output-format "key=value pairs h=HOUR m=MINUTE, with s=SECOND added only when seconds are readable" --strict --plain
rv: h=4 m=55 s=16
